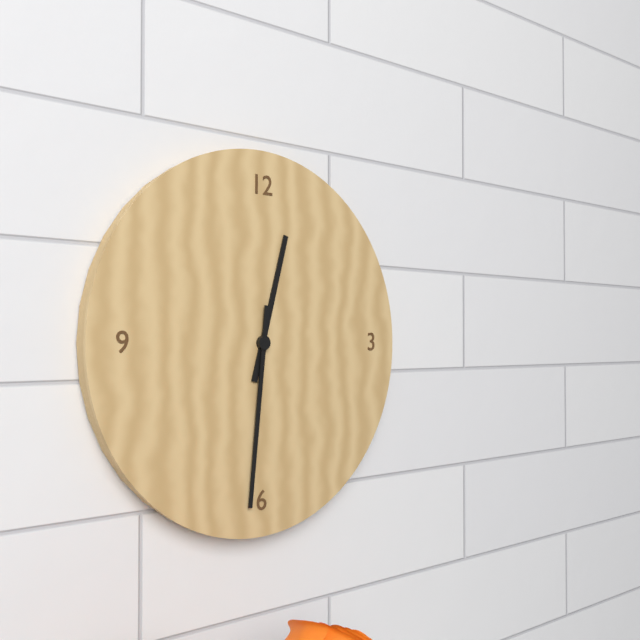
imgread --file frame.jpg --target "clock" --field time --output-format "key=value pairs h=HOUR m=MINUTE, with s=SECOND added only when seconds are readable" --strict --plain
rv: h=12 m=31
